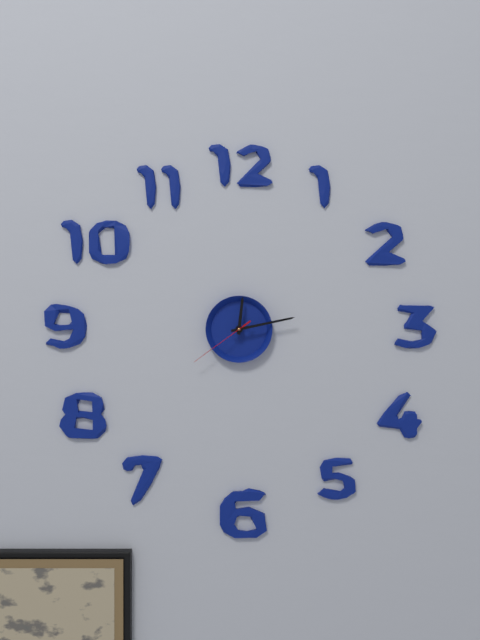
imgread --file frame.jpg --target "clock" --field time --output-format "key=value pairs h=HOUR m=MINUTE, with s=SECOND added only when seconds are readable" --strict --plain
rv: h=12 m=13 s=39
